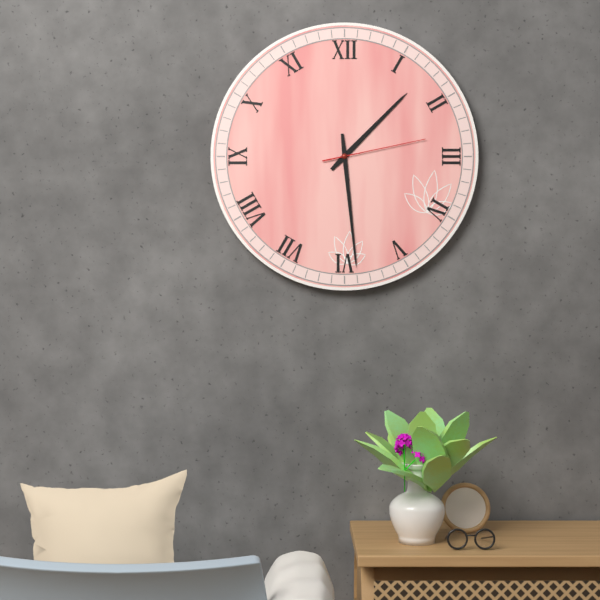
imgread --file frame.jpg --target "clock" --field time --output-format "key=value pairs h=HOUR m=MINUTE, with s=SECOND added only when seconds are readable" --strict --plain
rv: h=1 m=29 s=13
